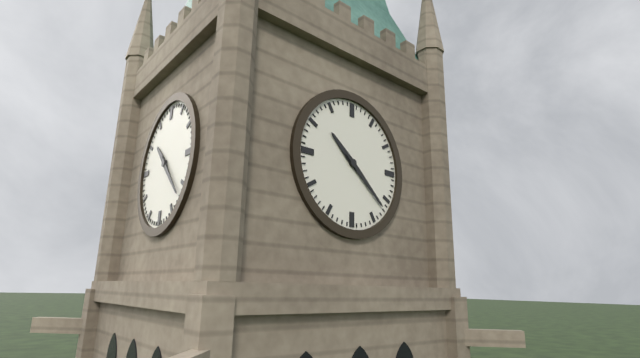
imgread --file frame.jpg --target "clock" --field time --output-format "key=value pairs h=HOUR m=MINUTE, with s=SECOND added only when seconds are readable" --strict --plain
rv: h=10 m=22
